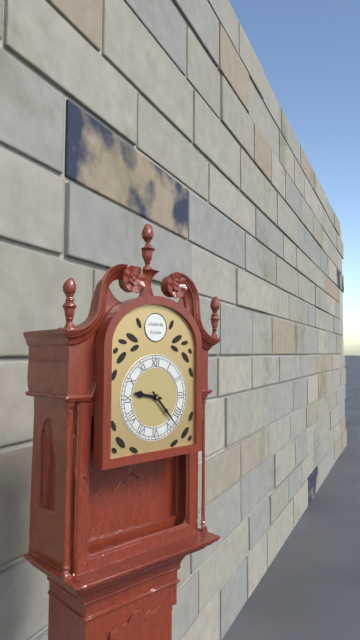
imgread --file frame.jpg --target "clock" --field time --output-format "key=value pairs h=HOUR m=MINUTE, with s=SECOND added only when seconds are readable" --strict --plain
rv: h=9 m=23
